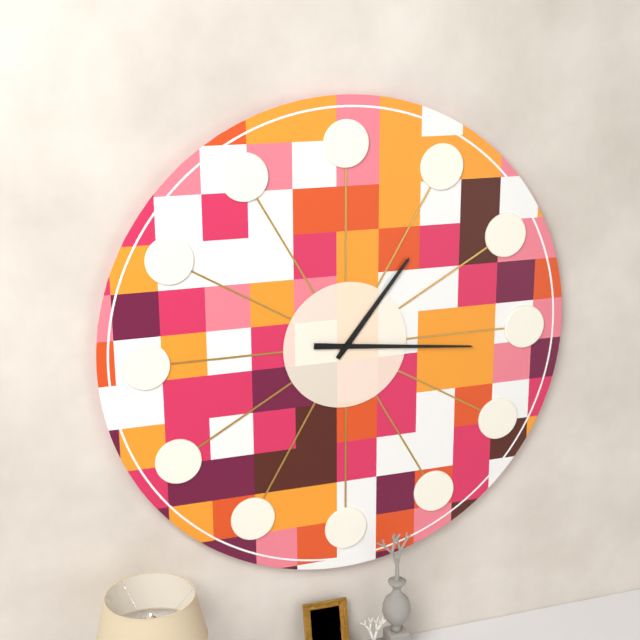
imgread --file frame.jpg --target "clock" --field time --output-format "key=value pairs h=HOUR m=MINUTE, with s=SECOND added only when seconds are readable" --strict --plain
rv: h=1 m=16
